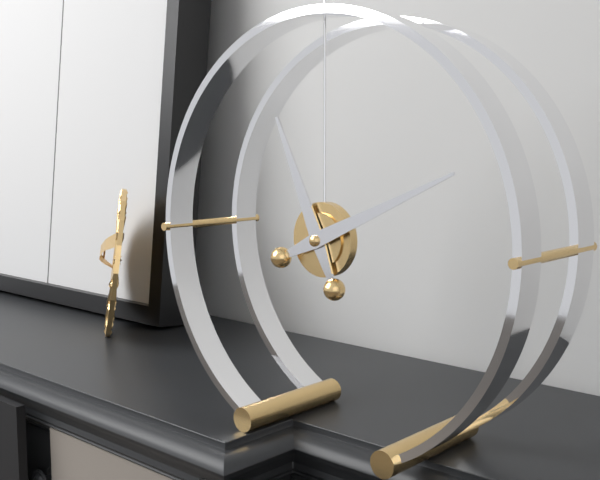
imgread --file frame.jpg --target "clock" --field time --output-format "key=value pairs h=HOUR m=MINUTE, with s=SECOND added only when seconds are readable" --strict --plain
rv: h=11 m=11
